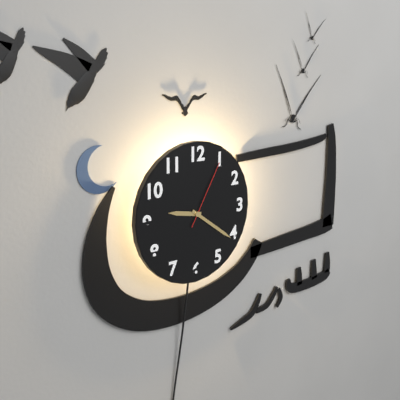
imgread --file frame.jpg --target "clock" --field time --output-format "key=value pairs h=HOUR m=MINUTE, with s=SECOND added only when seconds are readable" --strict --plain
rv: h=9 m=21 s=5
